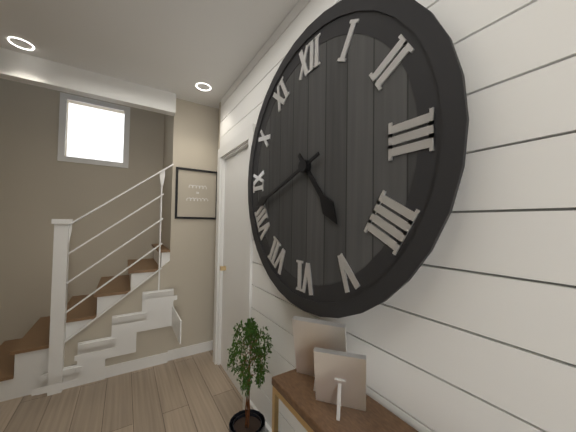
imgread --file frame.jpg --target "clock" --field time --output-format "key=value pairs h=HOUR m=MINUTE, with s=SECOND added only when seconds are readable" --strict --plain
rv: h=4 m=42
